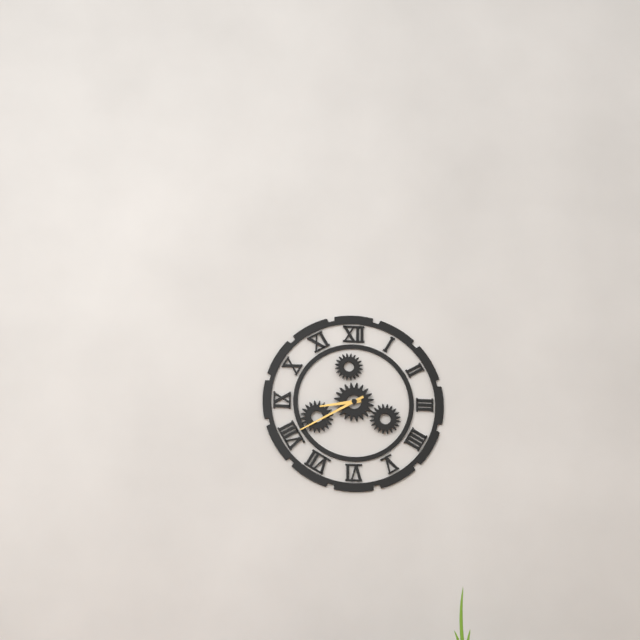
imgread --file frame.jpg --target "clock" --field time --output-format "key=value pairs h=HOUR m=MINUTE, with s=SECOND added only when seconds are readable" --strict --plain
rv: h=8 m=40
